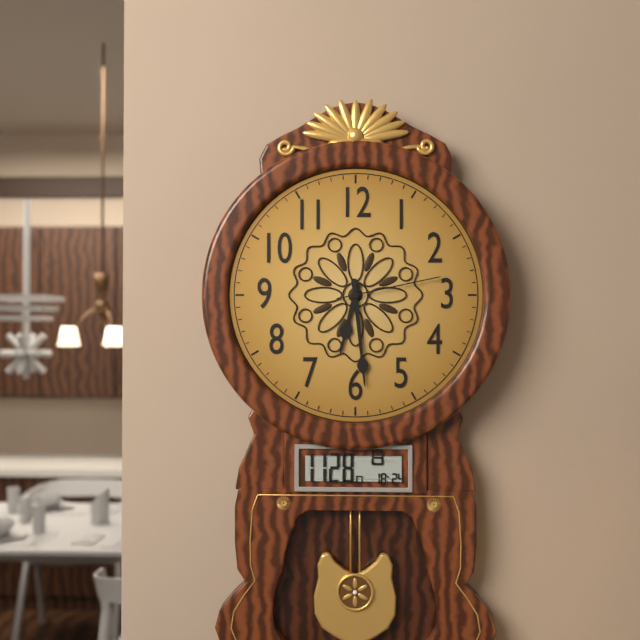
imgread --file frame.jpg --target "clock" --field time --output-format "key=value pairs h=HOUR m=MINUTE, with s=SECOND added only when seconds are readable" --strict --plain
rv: h=6 m=29 s=13
